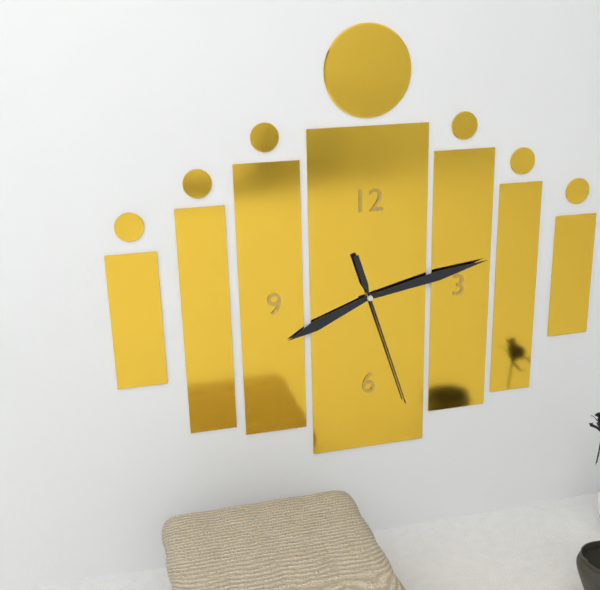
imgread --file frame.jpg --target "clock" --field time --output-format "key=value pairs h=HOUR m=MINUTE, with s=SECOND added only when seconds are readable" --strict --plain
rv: h=8 m=13 s=27
